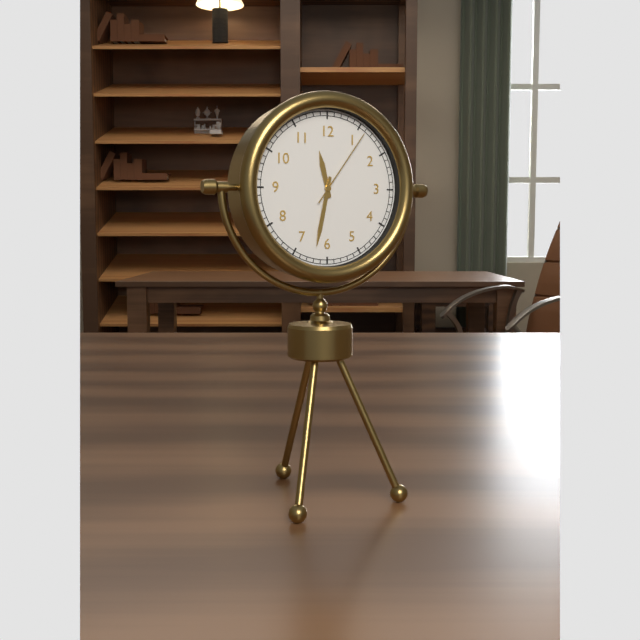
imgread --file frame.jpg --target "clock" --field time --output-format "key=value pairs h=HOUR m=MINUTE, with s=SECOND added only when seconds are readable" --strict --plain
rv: h=11 m=32 s=6
